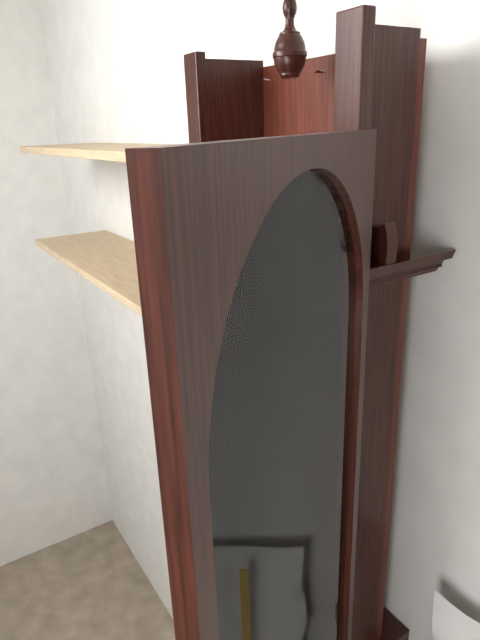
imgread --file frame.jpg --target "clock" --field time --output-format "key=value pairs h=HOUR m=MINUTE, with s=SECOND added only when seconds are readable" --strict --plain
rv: h=7 m=40
